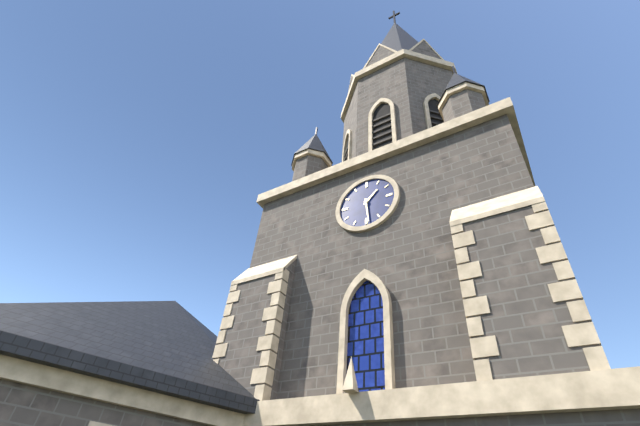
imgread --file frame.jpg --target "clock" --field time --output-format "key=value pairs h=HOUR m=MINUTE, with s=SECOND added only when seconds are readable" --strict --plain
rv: h=1 m=29
